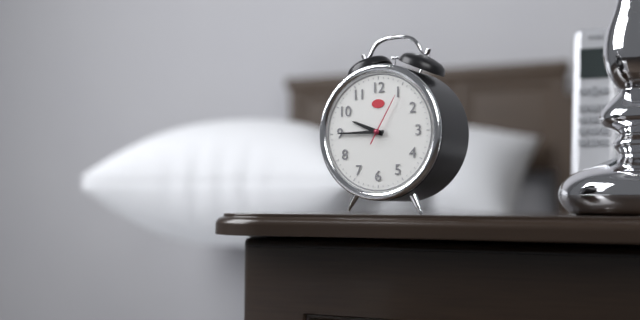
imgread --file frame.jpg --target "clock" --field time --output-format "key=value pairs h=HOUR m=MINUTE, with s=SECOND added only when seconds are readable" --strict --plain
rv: h=9 m=45 s=5
